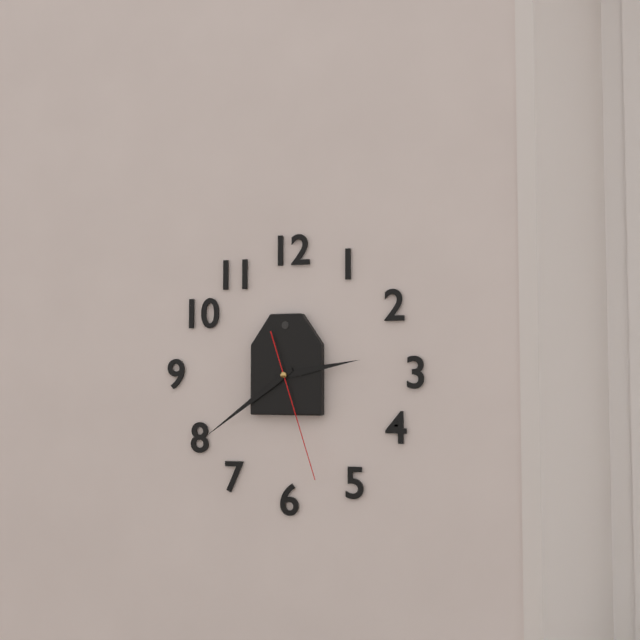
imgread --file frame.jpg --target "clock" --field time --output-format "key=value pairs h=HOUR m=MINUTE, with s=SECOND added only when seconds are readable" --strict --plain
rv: h=2 m=39 s=27
